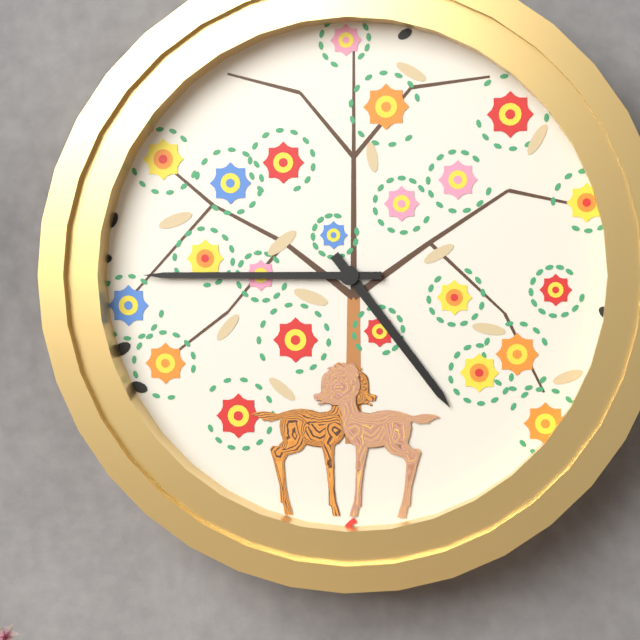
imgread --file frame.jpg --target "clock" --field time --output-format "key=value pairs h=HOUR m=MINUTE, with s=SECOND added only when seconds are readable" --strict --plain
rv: h=4 m=45
